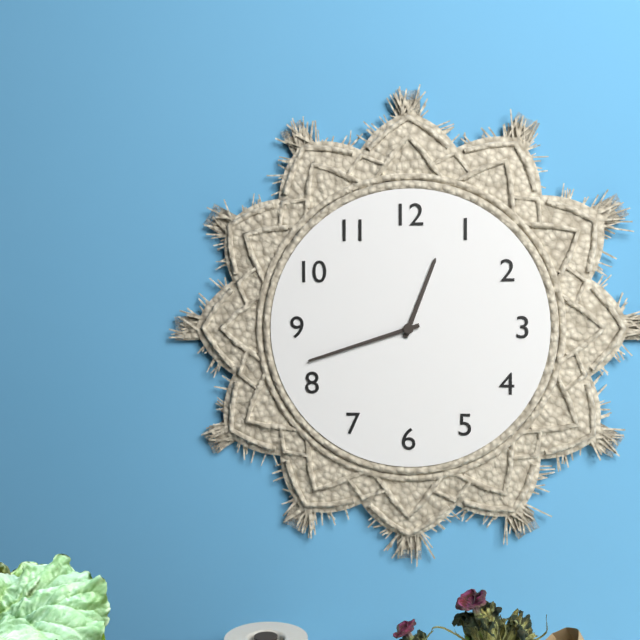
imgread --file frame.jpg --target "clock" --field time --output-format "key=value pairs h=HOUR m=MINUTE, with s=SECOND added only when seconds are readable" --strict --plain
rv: h=12 m=42
